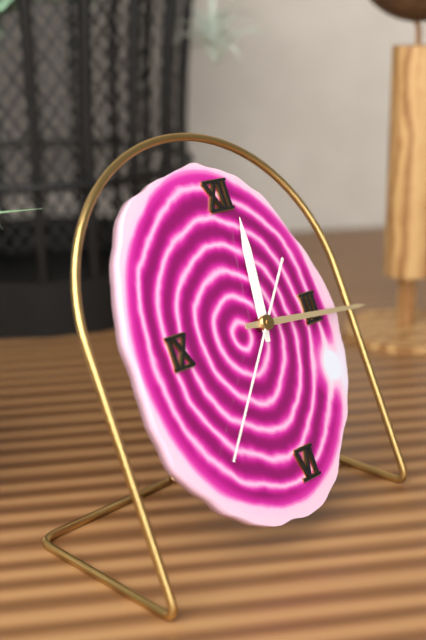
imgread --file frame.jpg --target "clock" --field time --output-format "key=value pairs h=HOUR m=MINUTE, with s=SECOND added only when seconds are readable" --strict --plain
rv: h=12 m=16 s=37
